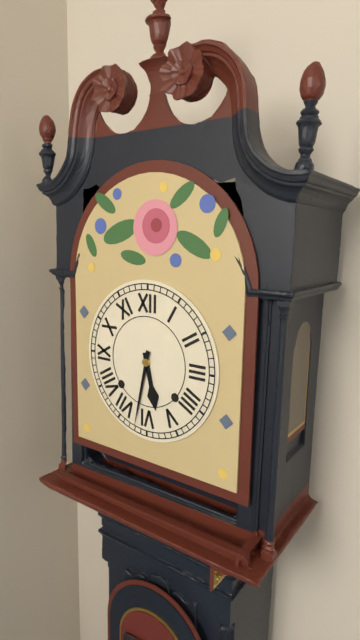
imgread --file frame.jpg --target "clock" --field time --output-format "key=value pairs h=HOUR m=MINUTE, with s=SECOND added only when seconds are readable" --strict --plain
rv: h=5 m=32
